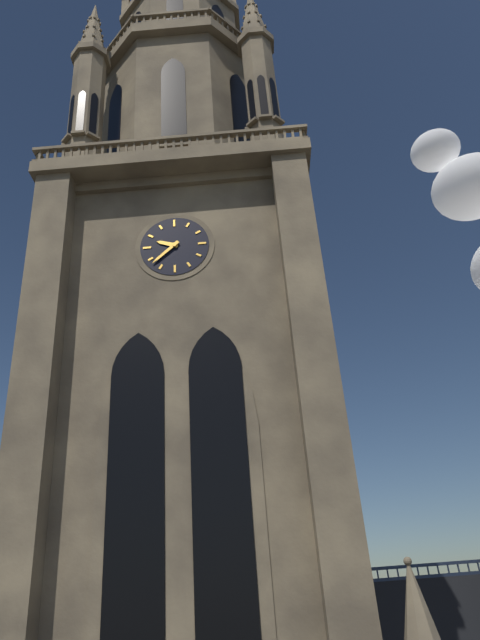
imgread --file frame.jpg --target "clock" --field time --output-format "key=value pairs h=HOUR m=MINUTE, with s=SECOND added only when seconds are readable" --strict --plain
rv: h=9 m=38
